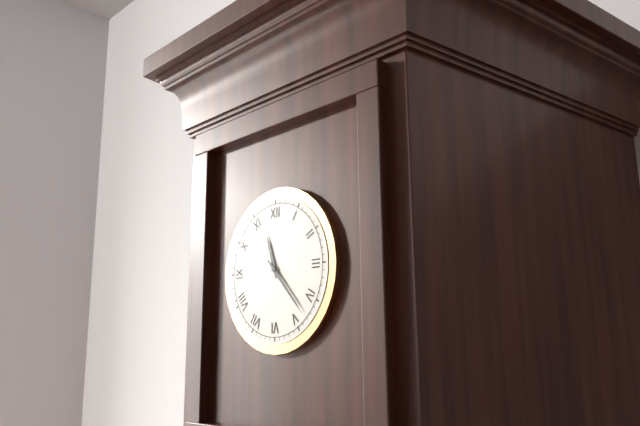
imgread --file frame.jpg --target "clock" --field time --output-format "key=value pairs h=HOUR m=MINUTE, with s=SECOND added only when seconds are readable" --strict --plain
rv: h=11 m=23
